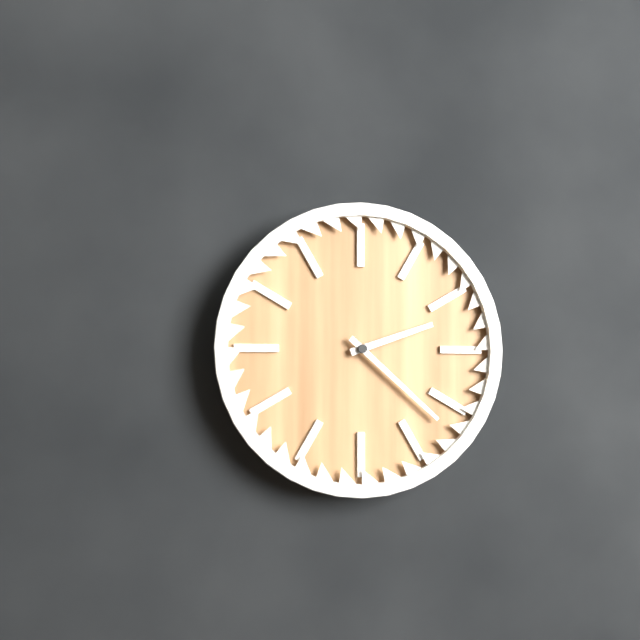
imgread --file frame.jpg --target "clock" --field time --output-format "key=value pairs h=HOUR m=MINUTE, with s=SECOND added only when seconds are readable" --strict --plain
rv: h=2 m=22
